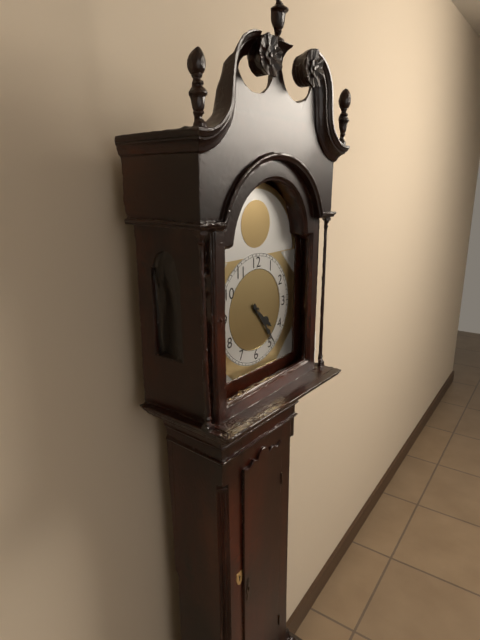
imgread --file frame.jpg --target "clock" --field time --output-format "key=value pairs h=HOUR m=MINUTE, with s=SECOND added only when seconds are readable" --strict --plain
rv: h=4 m=24
